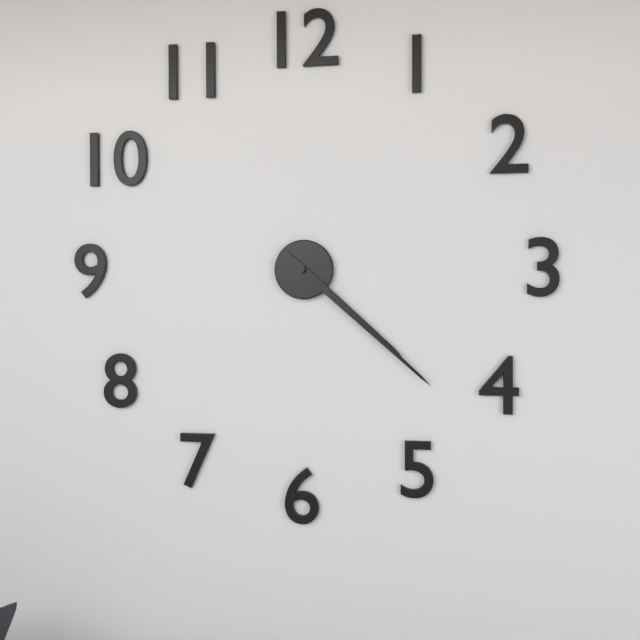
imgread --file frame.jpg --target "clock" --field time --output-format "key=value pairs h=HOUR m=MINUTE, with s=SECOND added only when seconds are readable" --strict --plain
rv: h=4 m=22
